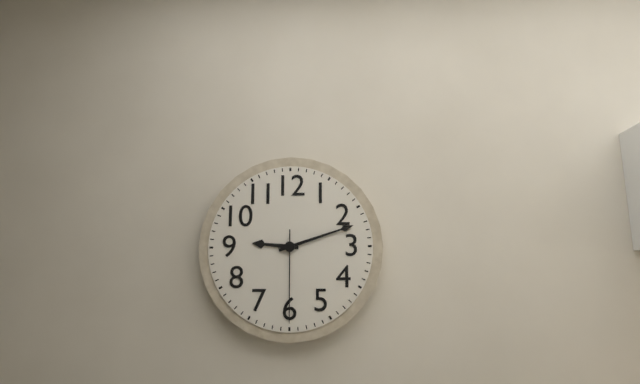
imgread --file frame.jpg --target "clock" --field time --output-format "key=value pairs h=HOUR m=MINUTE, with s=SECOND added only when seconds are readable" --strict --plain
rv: h=9 m=12 s=30
